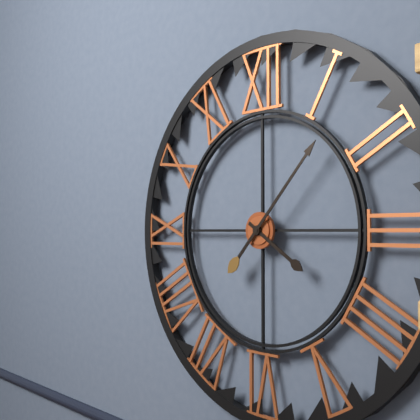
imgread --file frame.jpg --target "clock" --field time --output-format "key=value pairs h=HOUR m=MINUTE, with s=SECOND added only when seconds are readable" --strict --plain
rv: h=4 m=7
